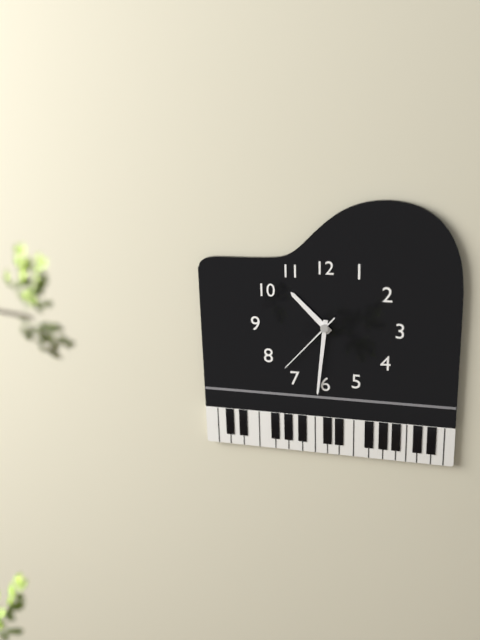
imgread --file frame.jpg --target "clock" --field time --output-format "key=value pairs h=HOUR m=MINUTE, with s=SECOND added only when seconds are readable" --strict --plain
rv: h=10 m=31 s=37
